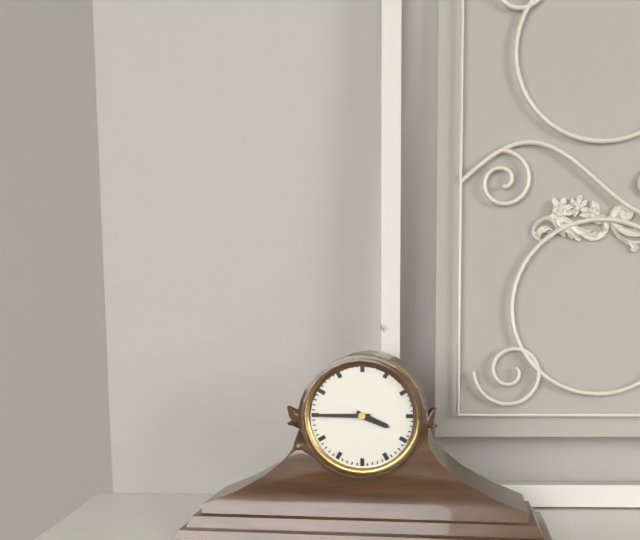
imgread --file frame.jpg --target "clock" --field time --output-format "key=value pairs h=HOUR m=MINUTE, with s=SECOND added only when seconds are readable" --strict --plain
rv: h=3 m=45
